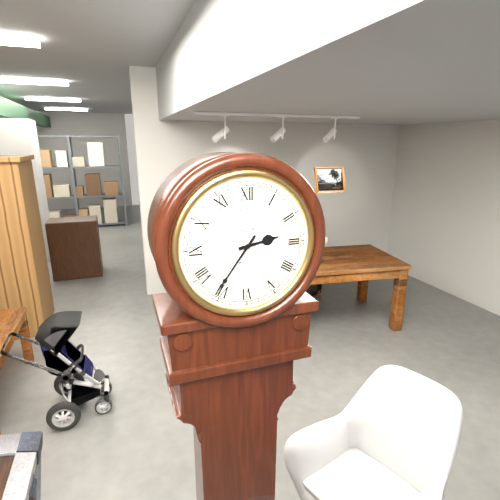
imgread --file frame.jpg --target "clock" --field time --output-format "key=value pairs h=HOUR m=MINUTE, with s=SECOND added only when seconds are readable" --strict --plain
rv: h=2 m=36
